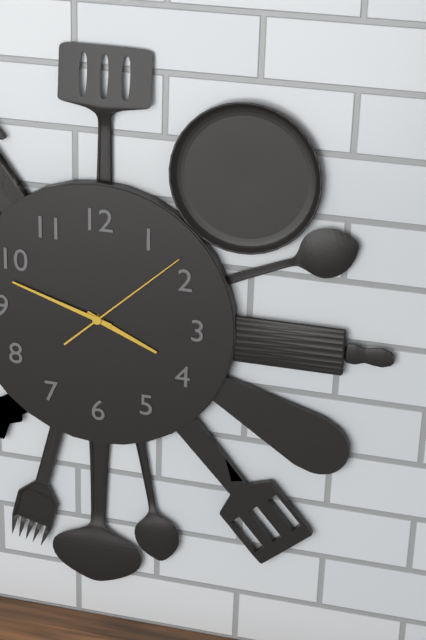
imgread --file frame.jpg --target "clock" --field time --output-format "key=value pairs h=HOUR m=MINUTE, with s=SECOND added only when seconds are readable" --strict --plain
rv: h=3 m=48 s=8
